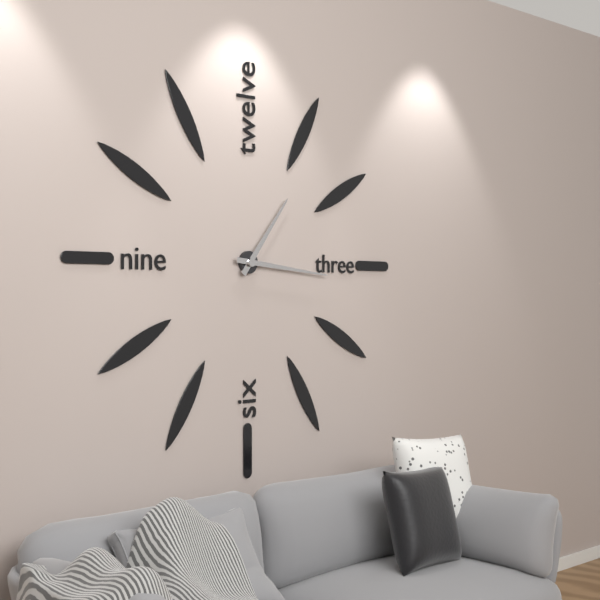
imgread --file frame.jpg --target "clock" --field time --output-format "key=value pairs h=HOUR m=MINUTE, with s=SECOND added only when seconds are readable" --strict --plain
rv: h=1 m=16
